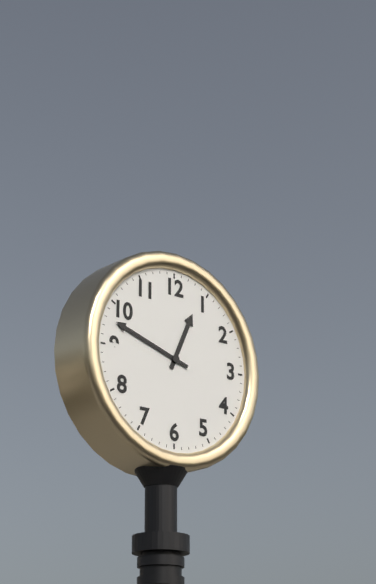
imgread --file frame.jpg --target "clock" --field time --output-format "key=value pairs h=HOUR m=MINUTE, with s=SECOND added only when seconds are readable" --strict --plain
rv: h=12 m=48
